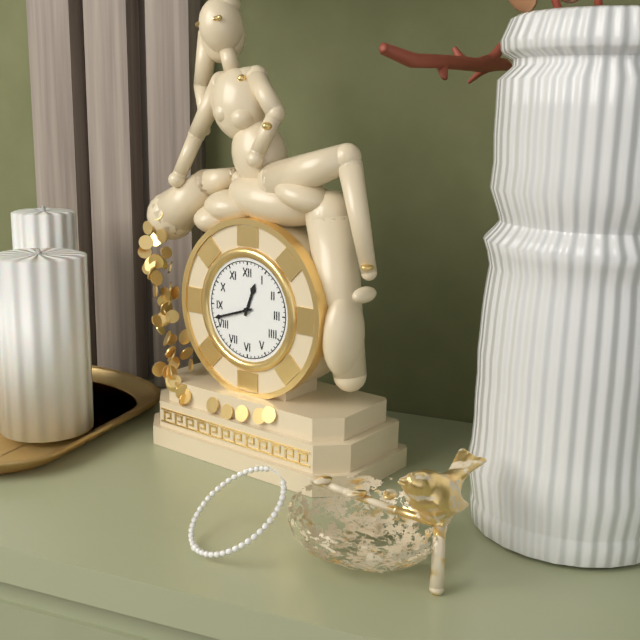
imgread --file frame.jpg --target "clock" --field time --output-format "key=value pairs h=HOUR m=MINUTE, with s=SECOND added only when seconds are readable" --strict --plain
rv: h=12 m=42
